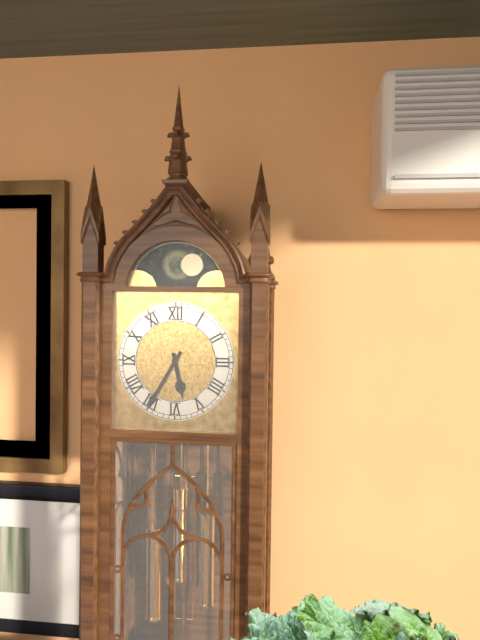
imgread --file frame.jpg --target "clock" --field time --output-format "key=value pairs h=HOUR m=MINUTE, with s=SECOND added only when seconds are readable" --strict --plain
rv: h=5 m=35
